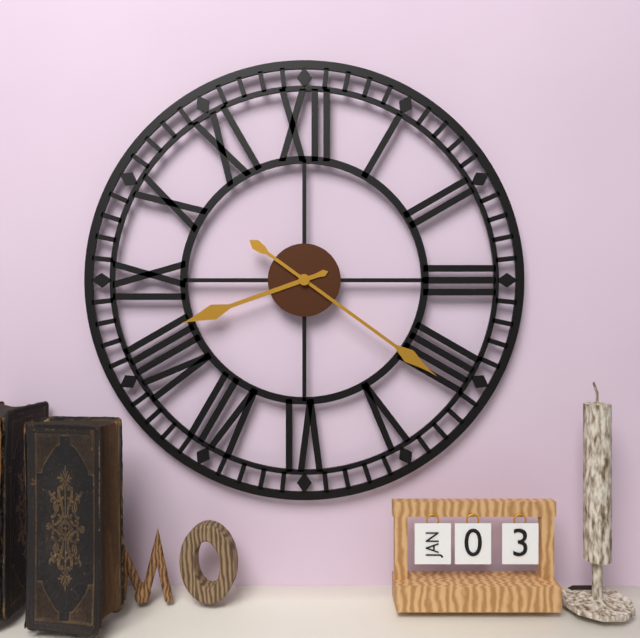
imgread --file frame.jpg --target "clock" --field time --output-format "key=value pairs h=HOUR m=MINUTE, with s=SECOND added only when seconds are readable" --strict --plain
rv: h=8 m=21
